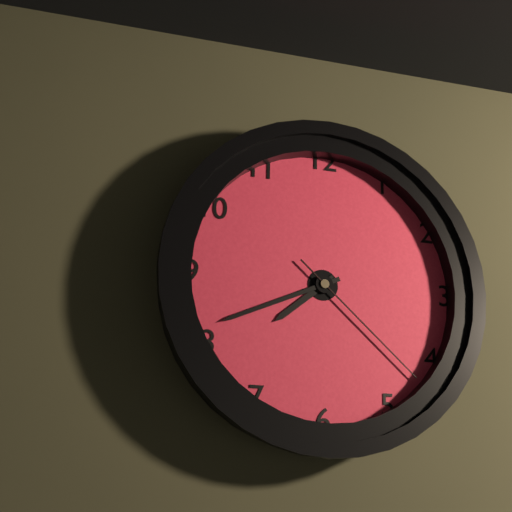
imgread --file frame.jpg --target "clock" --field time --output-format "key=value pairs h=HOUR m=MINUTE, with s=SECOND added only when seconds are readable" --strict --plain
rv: h=7 m=41 s=22
